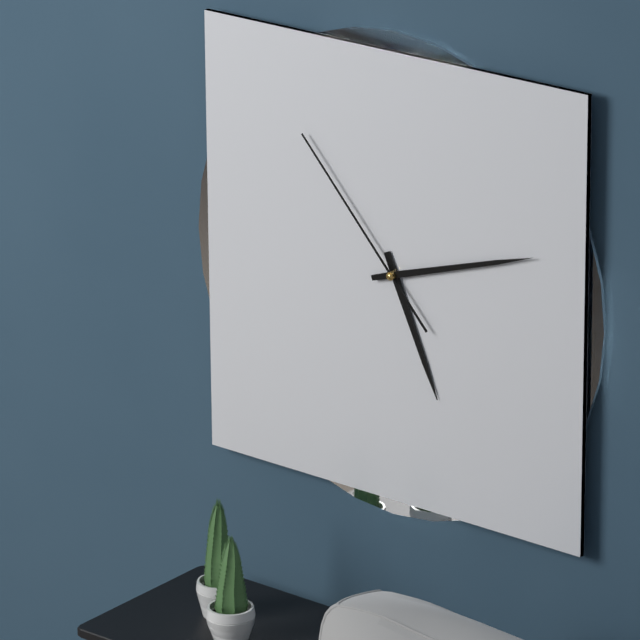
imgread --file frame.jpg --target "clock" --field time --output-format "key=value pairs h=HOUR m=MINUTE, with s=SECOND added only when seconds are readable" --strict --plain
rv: h=5 m=12 s=53
